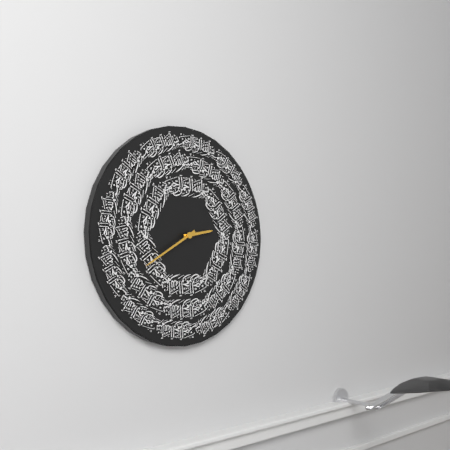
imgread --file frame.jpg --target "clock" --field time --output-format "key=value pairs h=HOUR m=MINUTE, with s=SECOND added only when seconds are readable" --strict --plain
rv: h=2 m=40
